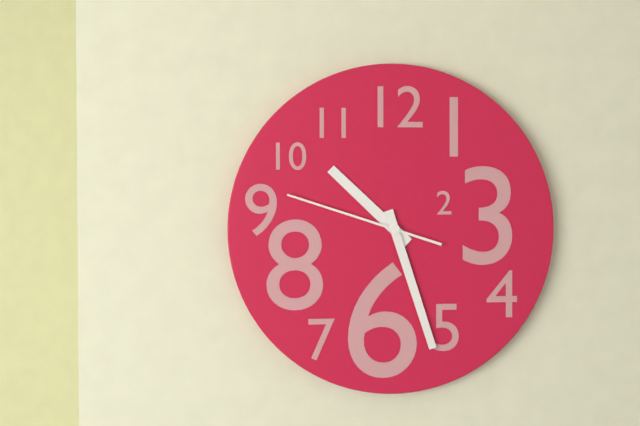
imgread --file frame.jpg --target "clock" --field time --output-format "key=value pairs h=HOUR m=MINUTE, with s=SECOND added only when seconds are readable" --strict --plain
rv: h=10 m=27 s=48
